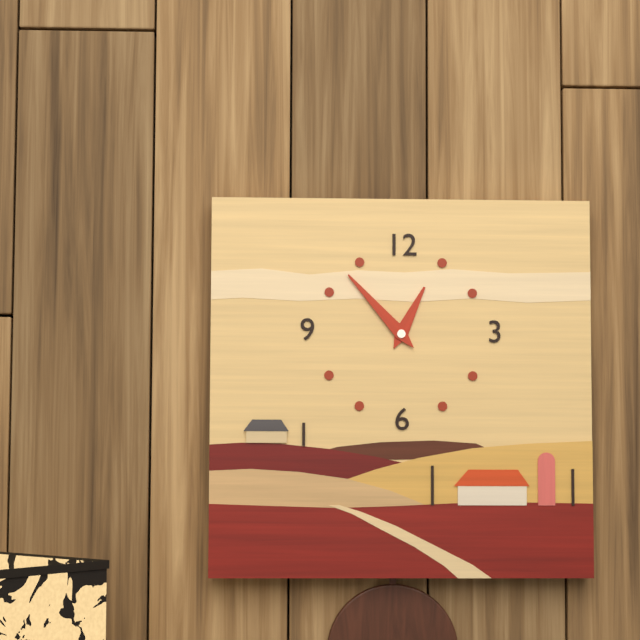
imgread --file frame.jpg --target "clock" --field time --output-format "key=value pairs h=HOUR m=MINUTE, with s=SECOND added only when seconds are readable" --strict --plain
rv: h=12 m=53
